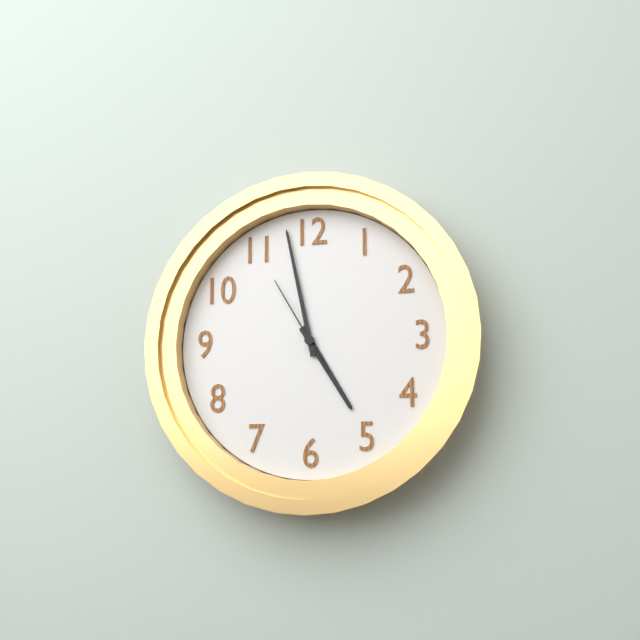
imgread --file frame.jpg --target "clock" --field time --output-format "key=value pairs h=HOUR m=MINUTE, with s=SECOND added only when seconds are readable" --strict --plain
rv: h=4 m=58 s=55
